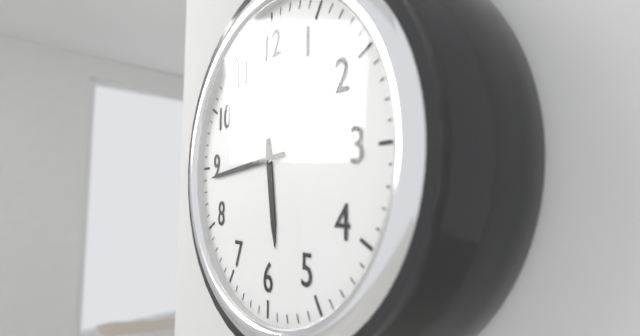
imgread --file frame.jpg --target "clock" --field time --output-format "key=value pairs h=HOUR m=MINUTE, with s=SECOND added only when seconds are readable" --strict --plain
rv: h=5 m=44
